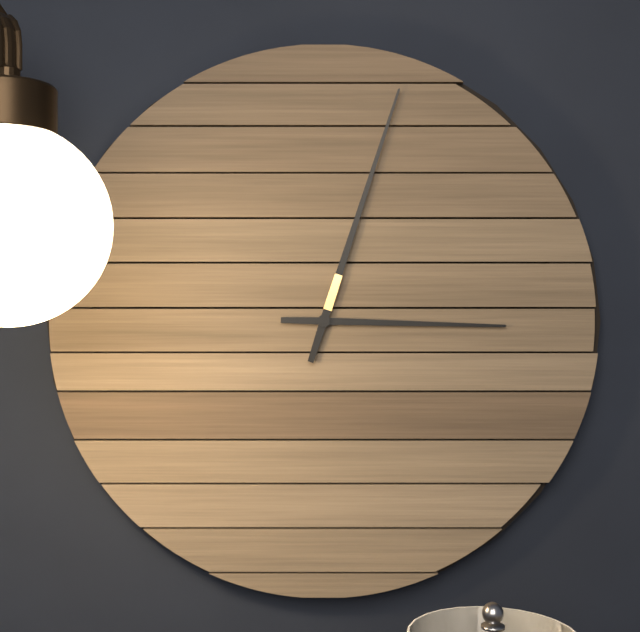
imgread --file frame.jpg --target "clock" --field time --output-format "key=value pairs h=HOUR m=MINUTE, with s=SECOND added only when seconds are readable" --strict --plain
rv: h=3 m=3
